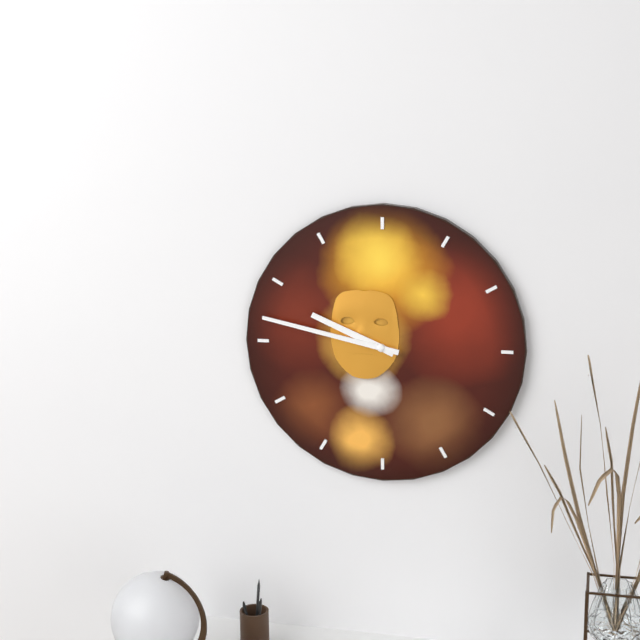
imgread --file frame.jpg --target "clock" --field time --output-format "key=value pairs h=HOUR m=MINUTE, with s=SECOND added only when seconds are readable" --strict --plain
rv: h=9 m=47
